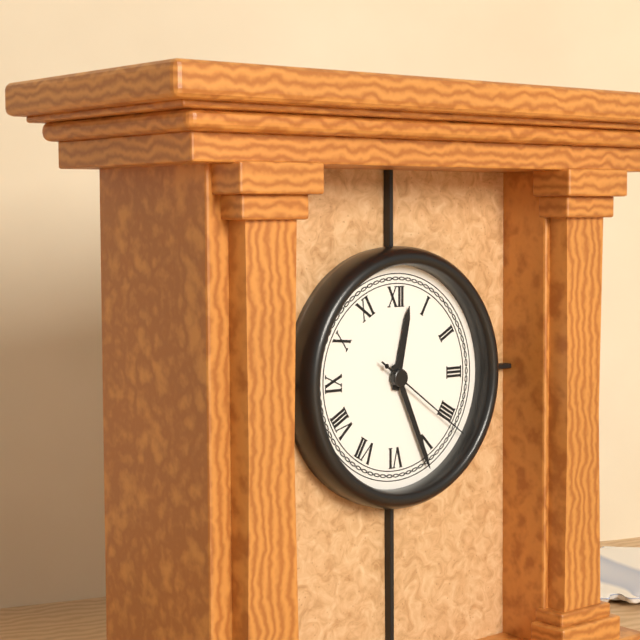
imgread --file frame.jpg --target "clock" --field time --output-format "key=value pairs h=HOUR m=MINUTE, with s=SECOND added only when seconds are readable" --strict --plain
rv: h=12 m=26 s=21
